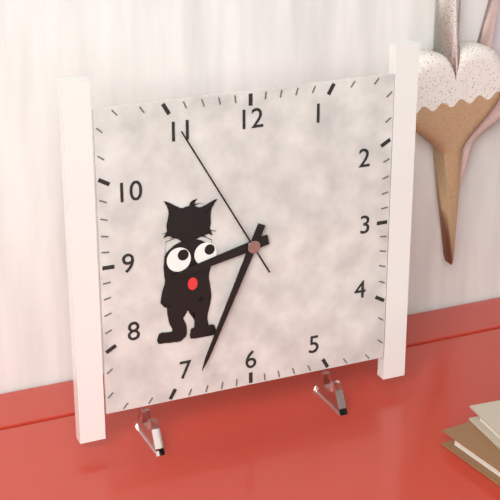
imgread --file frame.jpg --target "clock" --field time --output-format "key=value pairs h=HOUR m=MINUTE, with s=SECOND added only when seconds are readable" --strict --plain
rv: h=8 m=34 s=55
